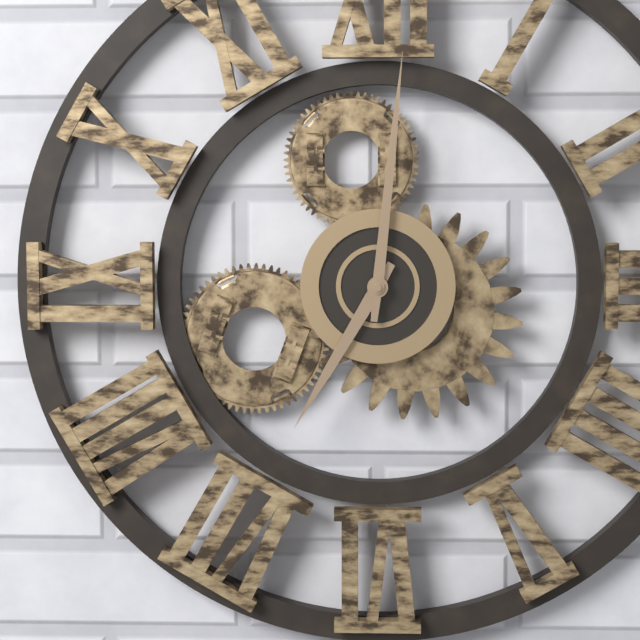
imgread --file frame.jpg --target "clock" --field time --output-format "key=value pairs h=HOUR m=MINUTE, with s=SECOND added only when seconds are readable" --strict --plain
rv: h=7 m=1
